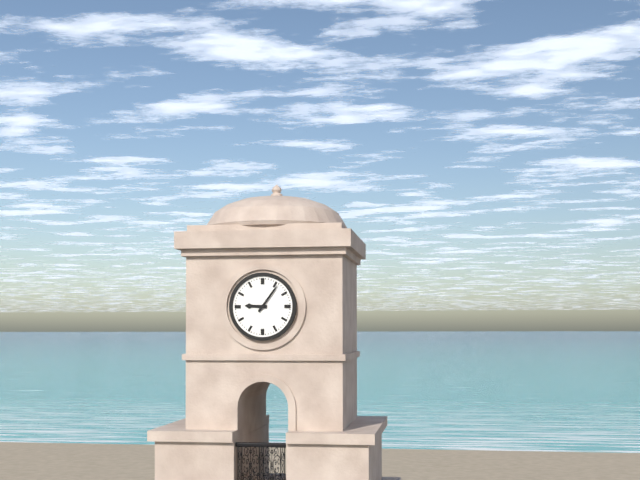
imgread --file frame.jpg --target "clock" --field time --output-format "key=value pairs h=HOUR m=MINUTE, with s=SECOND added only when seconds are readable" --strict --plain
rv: h=9 m=6
